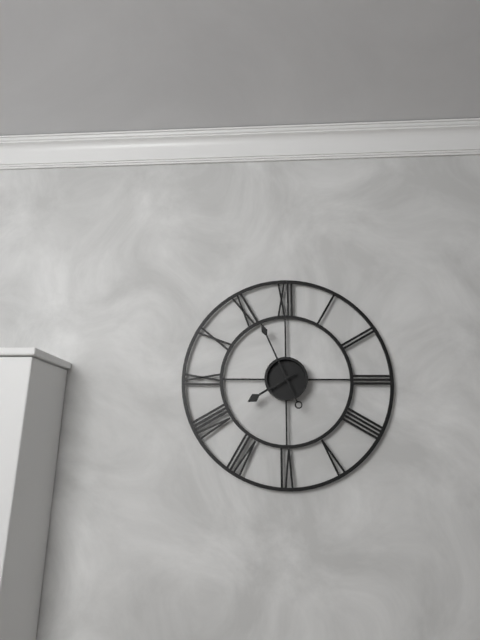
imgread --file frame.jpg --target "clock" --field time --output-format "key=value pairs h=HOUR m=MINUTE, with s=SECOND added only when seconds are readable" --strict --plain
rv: h=7 m=56
